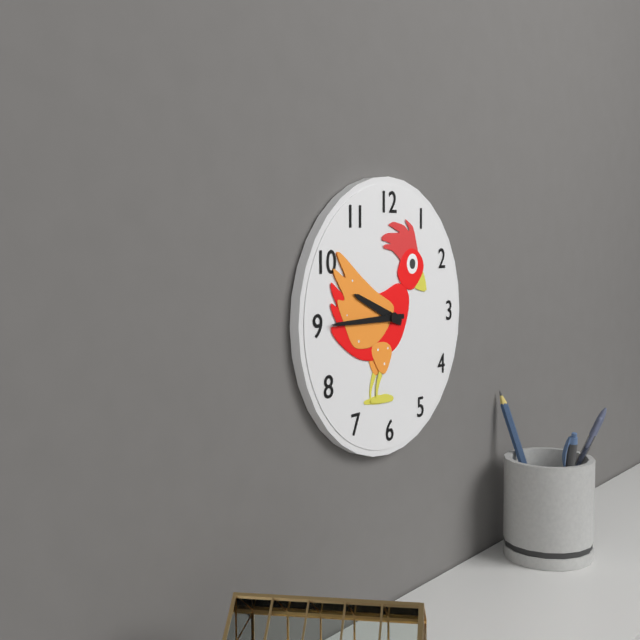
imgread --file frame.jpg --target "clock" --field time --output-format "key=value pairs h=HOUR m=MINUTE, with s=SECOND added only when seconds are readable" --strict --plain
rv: h=9 m=45
